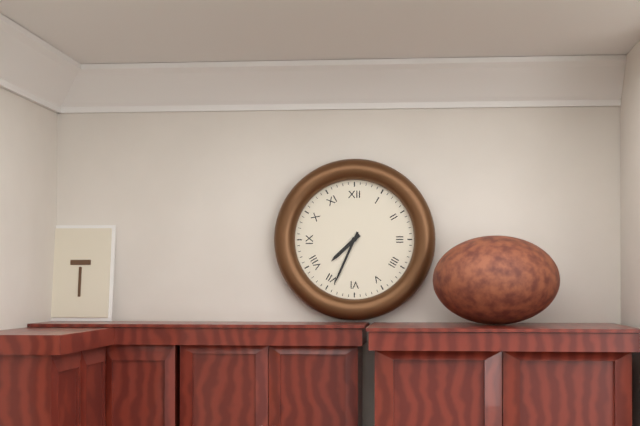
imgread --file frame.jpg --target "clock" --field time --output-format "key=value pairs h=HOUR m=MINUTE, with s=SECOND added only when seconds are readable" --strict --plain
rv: h=7 m=34
